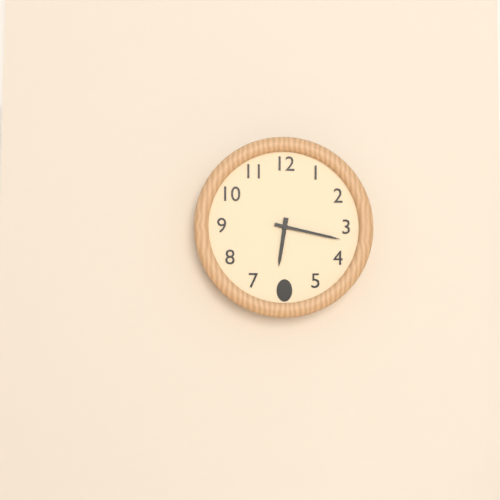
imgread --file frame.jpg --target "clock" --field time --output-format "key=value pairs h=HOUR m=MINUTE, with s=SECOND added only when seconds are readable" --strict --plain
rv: h=6 m=17
